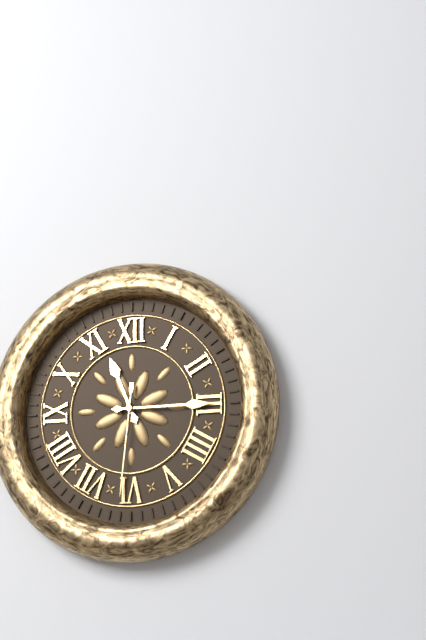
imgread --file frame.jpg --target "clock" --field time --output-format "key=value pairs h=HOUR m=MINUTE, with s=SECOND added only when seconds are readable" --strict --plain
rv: h=11 m=15 s=31
